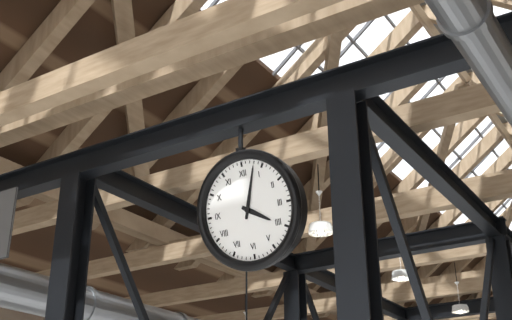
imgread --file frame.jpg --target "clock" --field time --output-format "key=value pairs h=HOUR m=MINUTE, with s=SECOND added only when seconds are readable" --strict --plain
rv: h=4 m=3
